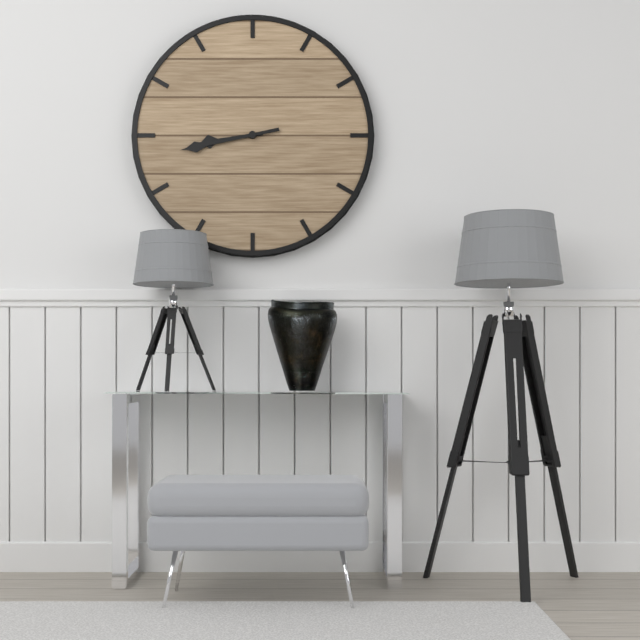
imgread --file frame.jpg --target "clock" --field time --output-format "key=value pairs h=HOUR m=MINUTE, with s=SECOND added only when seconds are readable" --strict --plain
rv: h=8 m=43
